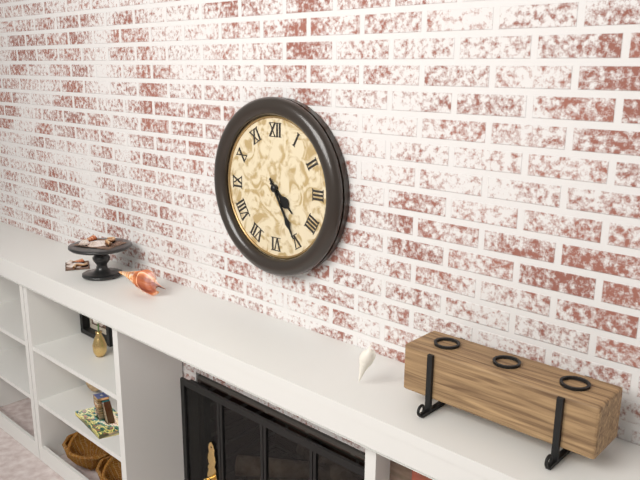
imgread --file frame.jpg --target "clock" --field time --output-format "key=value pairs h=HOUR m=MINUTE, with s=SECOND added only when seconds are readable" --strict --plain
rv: h=4 m=25
